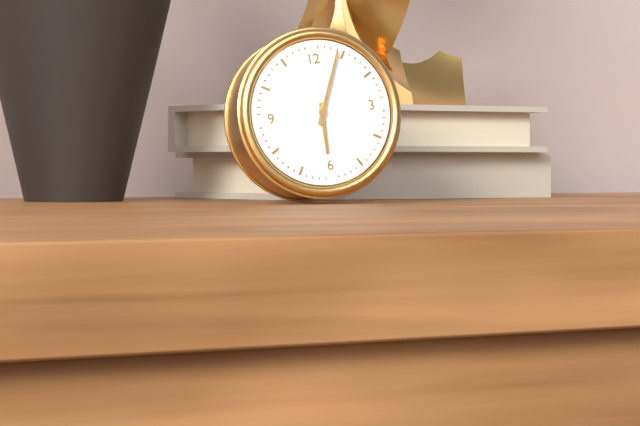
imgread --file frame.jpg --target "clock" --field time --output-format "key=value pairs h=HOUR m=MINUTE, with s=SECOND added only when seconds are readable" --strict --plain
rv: h=6 m=4
